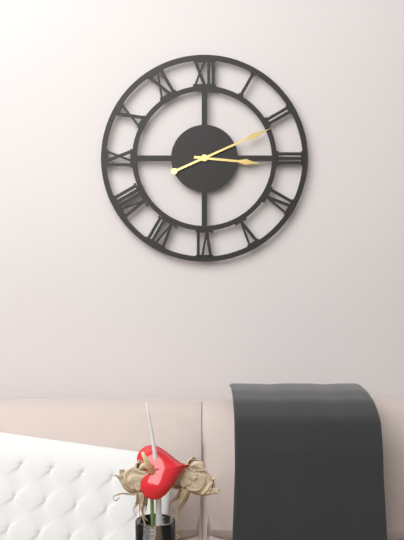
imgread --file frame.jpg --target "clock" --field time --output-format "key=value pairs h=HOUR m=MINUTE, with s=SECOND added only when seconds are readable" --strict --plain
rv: h=3 m=11
